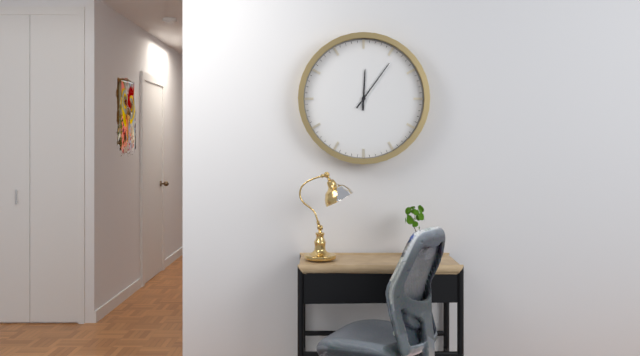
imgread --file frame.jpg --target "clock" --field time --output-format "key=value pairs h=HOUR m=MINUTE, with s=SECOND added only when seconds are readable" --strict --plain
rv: h=12 m=6
